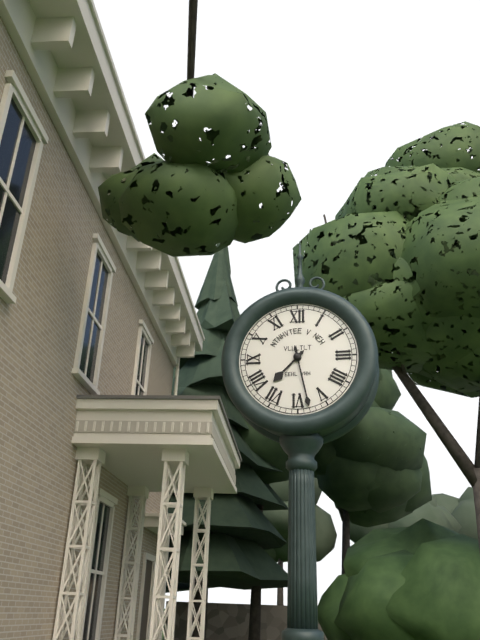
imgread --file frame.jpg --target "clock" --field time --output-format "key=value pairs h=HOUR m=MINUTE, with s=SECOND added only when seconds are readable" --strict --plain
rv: h=7 m=28
